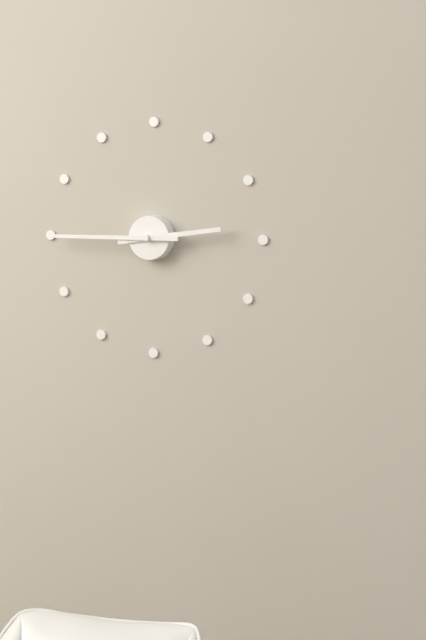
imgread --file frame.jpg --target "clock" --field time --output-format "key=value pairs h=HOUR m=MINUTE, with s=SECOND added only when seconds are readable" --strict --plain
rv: h=2 m=45
